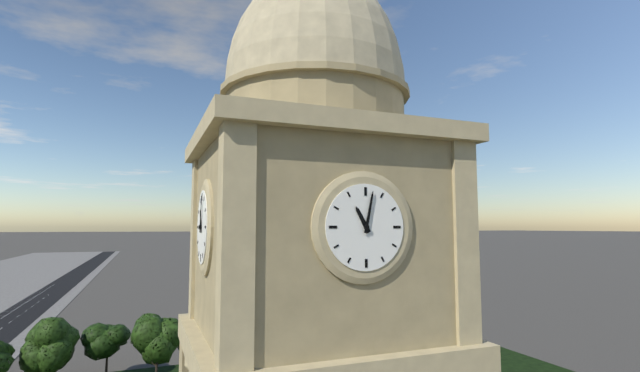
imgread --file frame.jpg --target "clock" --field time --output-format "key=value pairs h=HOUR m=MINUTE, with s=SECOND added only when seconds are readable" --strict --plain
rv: h=11 m=2
